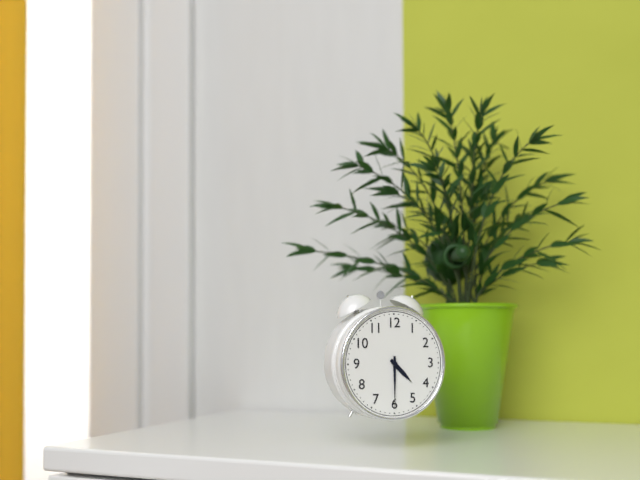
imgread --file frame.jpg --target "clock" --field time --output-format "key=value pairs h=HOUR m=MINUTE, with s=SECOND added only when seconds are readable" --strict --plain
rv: h=4 m=30
